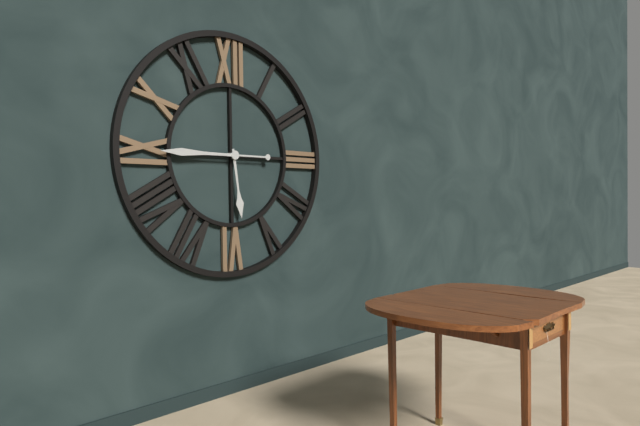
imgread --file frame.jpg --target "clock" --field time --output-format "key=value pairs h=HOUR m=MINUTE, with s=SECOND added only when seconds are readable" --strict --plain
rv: h=5 m=45
